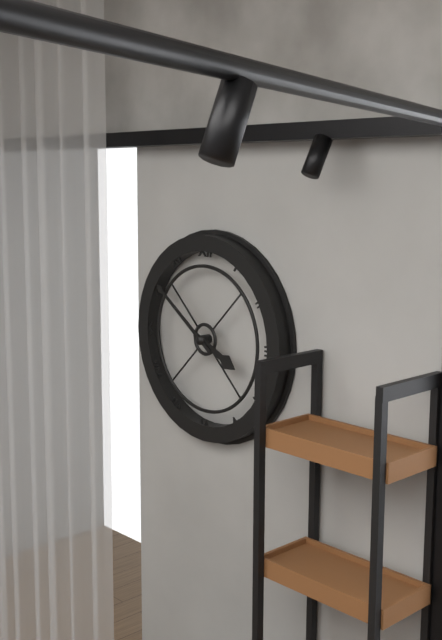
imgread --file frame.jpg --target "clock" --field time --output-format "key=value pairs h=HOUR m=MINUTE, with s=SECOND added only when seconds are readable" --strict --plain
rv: h=3 m=51
